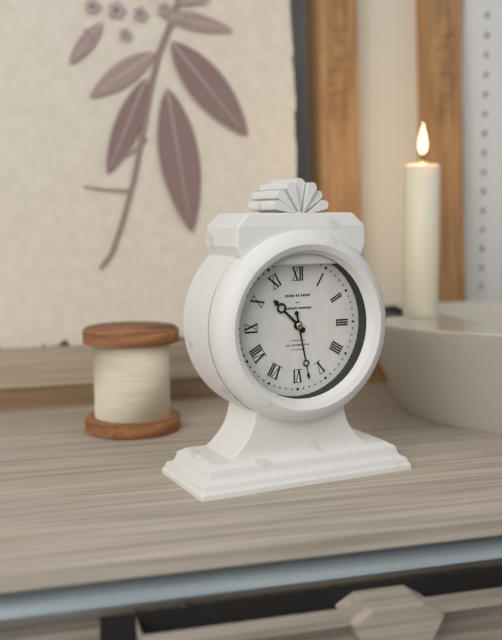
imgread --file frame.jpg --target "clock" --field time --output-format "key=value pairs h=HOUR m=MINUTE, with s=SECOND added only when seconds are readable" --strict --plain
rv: h=10 m=28
